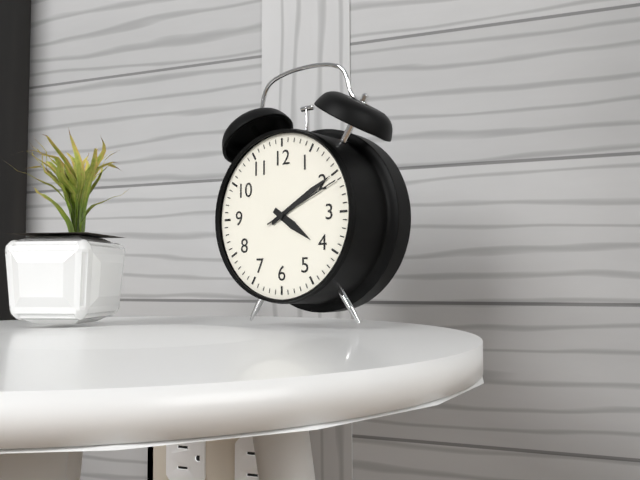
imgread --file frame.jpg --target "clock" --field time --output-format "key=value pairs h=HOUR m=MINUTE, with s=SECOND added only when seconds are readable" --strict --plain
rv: h=4 m=10 s=11
